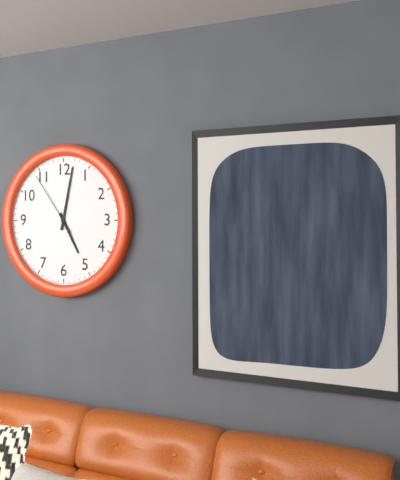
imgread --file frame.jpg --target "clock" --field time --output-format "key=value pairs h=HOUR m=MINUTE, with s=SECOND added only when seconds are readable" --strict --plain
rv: h=5 m=2 s=54
